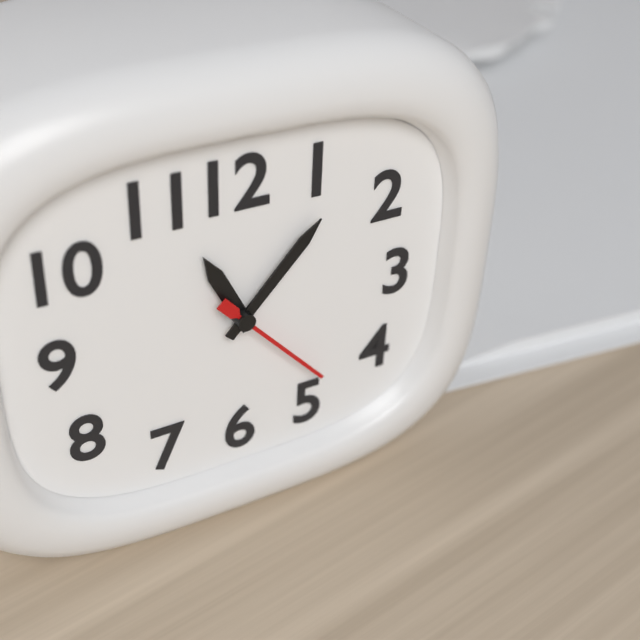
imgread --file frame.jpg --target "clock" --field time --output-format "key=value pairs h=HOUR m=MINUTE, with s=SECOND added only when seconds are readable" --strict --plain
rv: h=11 m=7 s=23
